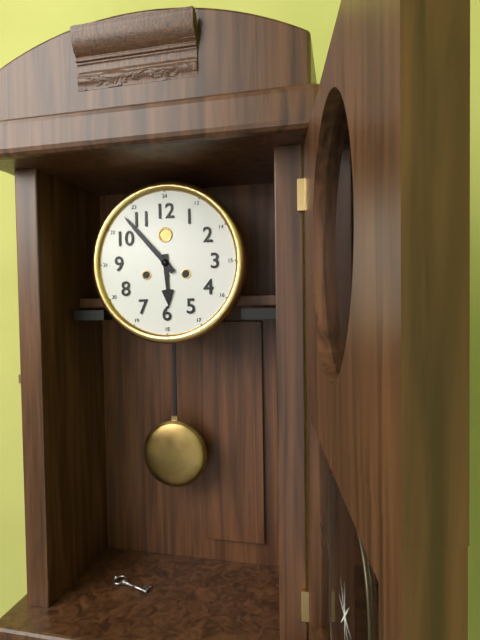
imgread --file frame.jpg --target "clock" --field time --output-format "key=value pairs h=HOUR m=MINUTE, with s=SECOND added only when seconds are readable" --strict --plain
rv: h=5 m=53
